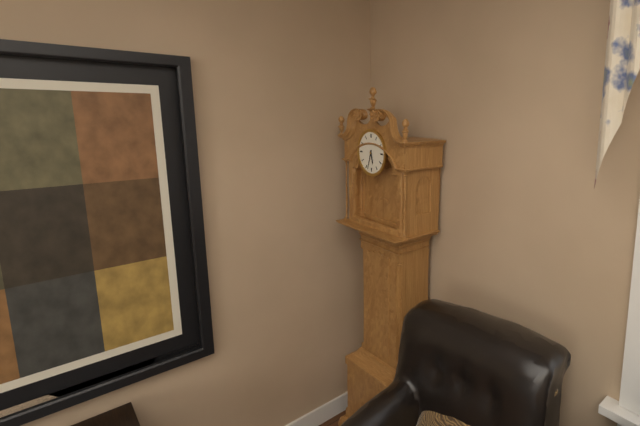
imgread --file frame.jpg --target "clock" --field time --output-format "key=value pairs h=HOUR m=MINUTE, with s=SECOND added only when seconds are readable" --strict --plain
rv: h=5 m=33
